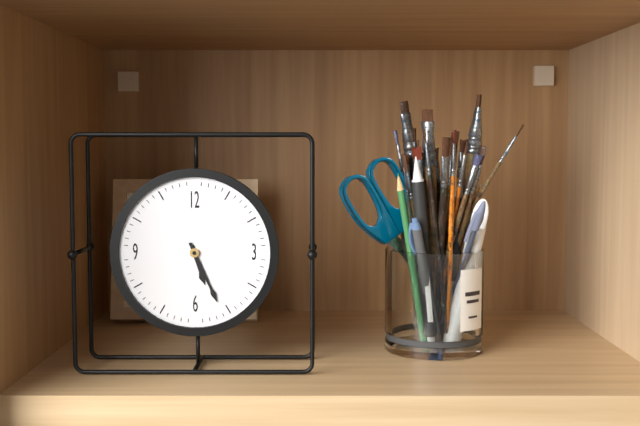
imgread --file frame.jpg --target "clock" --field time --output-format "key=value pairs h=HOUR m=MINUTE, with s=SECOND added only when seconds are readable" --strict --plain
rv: h=5 m=26
